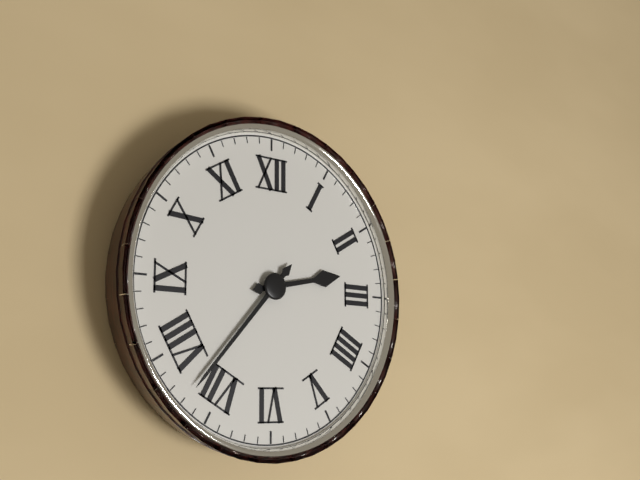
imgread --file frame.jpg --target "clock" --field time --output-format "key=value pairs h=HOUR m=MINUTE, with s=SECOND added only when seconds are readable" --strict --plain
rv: h=2 m=37
